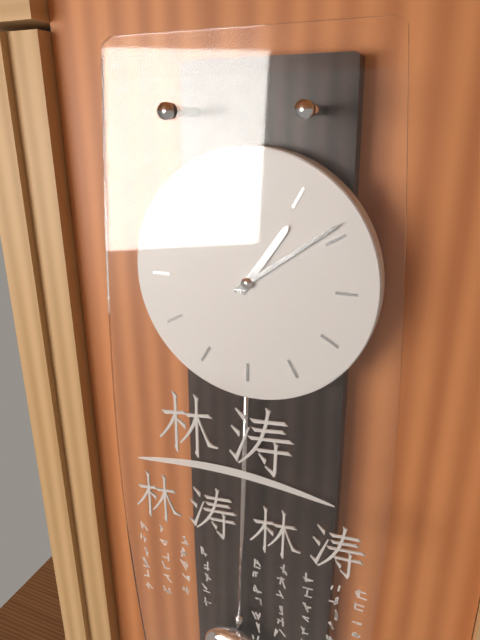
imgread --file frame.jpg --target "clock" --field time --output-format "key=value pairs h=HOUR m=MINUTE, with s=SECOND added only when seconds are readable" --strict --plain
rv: h=1 m=9
